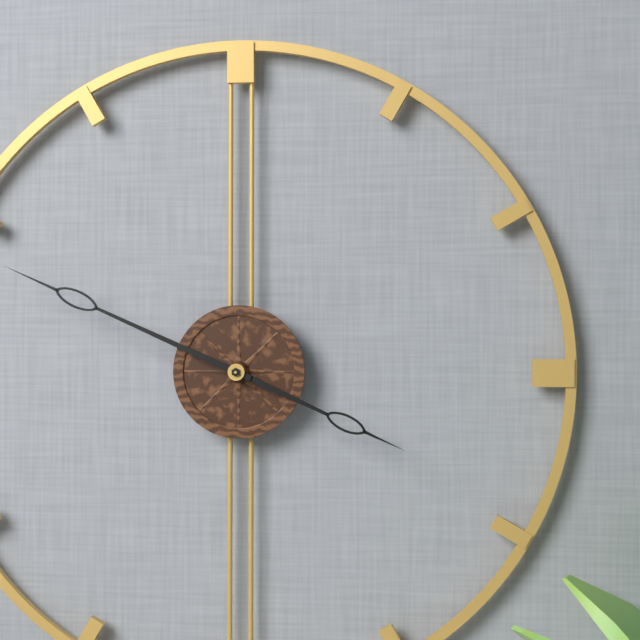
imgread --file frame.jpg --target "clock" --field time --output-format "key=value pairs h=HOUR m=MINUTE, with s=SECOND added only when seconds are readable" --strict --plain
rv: h=3 m=49
